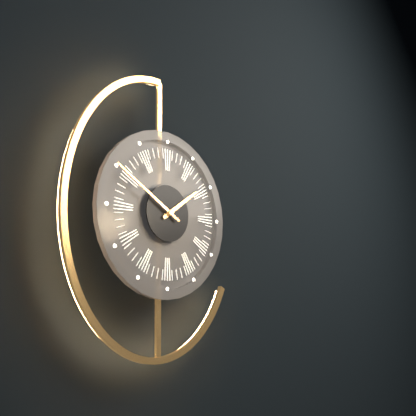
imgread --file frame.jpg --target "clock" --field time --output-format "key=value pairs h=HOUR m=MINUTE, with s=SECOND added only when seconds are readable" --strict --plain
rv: h=1 m=50
